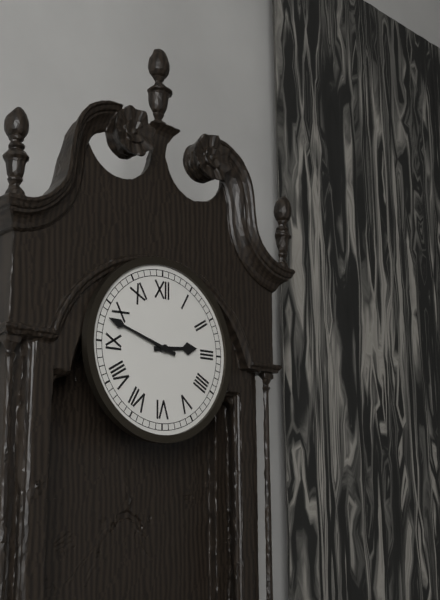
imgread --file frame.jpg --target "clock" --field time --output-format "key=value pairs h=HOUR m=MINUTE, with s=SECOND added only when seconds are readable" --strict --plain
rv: h=2 m=48
